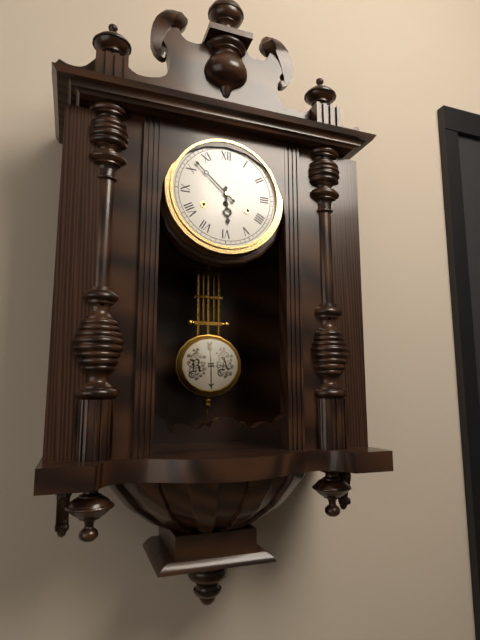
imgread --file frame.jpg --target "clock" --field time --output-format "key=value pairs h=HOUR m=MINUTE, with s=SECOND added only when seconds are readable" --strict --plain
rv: h=5 m=52
